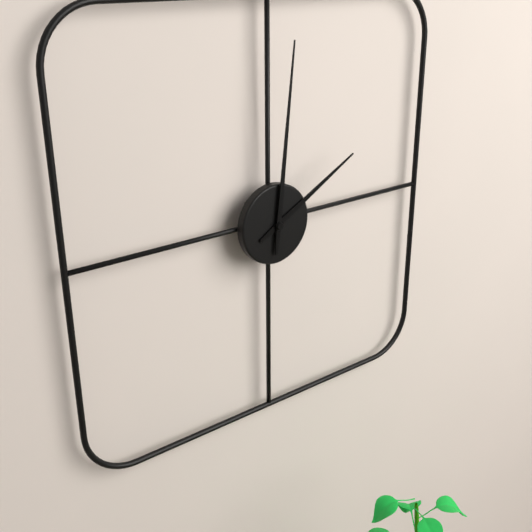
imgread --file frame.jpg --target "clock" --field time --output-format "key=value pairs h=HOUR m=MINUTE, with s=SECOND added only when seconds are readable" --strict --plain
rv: h=2 m=1
